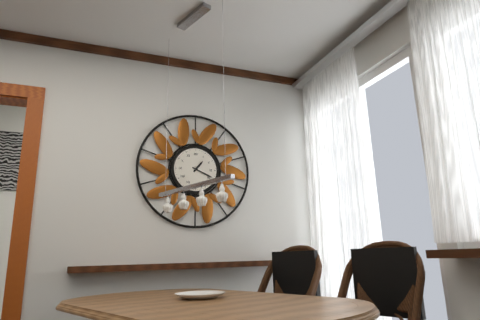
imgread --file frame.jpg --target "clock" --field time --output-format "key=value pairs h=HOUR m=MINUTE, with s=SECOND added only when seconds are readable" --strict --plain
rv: h=1 m=19
